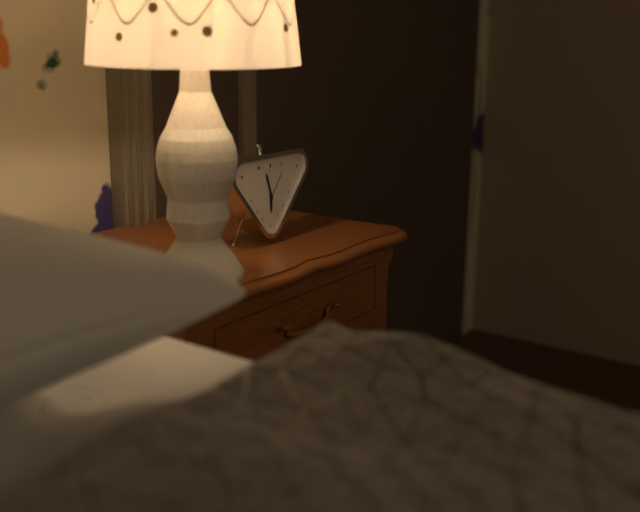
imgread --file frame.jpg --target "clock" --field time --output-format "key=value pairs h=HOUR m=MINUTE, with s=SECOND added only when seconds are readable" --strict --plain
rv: h=5 m=57
